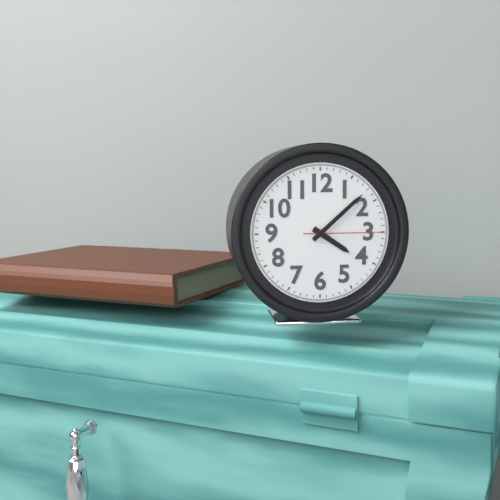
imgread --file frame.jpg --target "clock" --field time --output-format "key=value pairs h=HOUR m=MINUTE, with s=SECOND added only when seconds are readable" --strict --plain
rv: h=4 m=8 s=15
